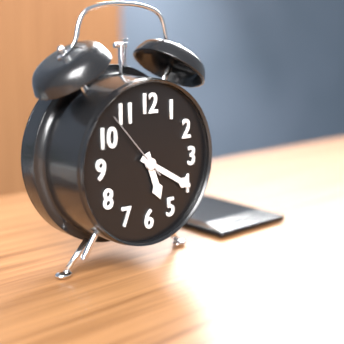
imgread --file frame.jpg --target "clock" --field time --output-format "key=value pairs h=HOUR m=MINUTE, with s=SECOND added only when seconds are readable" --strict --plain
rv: h=5 m=20 s=53
